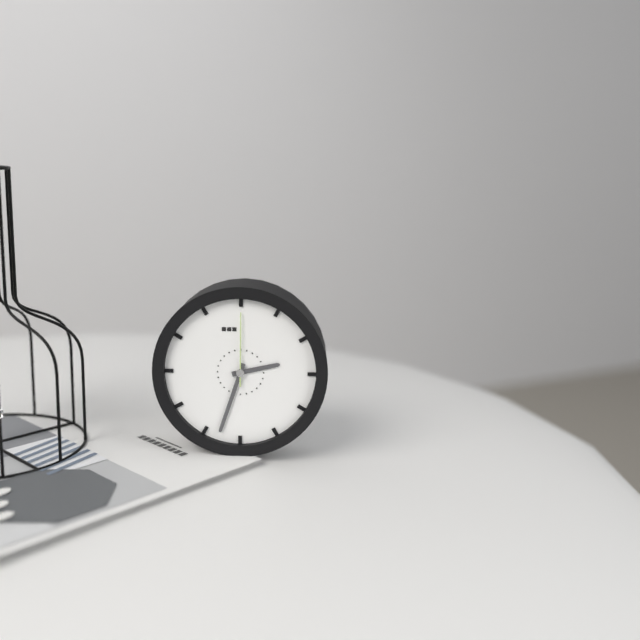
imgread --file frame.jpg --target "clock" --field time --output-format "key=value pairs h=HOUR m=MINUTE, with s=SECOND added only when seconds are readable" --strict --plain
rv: h=2 m=33 s=0
